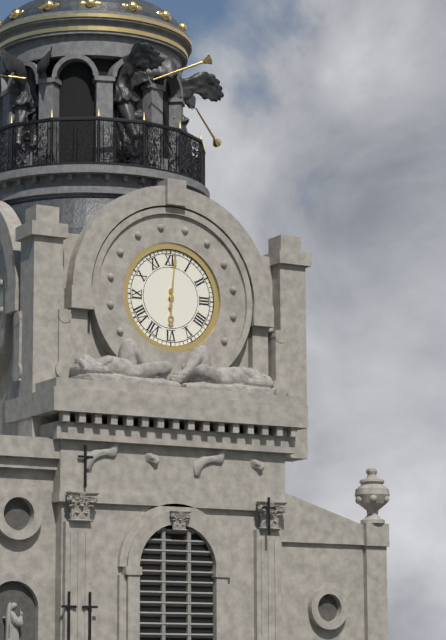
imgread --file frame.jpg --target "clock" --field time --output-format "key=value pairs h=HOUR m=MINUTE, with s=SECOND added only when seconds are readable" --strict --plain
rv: h=6 m=1
